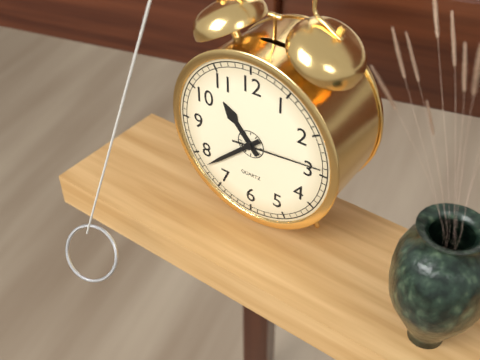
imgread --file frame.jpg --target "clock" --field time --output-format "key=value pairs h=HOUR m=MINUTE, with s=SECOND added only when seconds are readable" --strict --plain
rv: h=10 m=38 s=14
